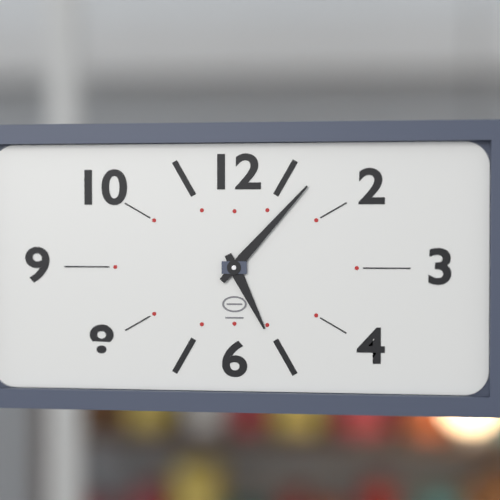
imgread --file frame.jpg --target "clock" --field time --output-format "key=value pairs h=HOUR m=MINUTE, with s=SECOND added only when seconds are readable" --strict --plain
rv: h=5 m=7
